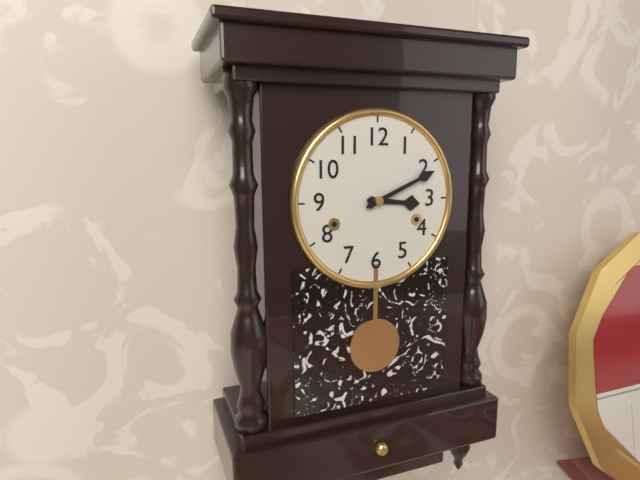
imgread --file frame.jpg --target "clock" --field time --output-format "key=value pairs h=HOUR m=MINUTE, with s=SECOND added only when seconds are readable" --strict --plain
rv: h=3 m=11
